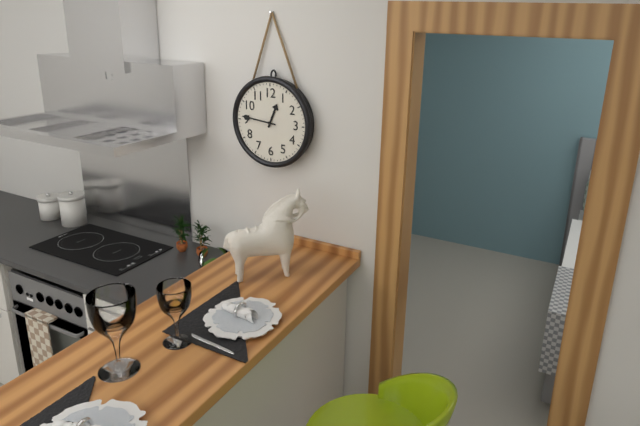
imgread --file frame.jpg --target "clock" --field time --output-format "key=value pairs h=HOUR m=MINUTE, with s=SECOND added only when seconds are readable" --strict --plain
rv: h=12 m=46
